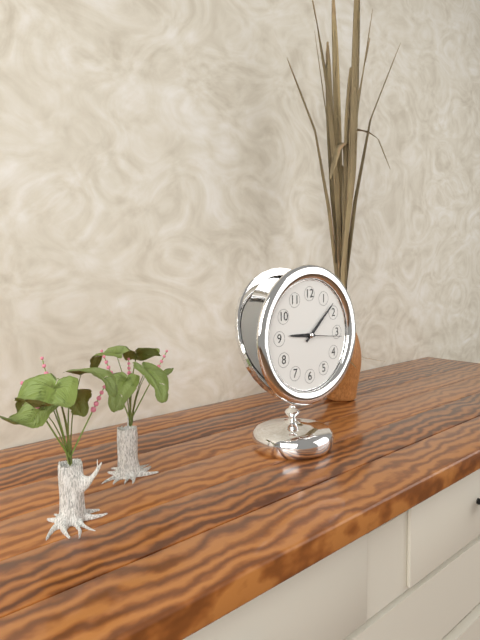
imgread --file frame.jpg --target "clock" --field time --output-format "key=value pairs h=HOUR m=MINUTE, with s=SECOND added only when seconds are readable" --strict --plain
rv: h=9 m=8
